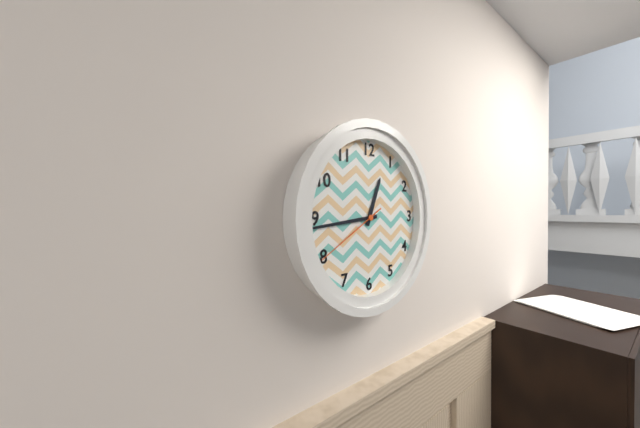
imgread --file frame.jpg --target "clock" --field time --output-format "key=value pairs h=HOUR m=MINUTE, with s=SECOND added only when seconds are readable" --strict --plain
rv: h=12 m=44 s=40
